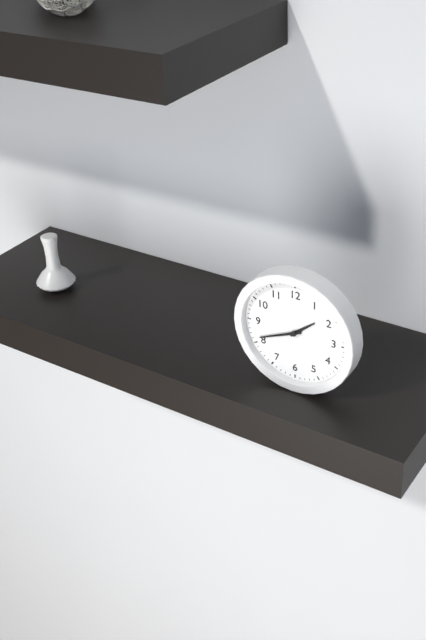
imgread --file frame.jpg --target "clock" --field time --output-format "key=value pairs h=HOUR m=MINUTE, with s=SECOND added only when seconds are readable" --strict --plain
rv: h=1 m=41
